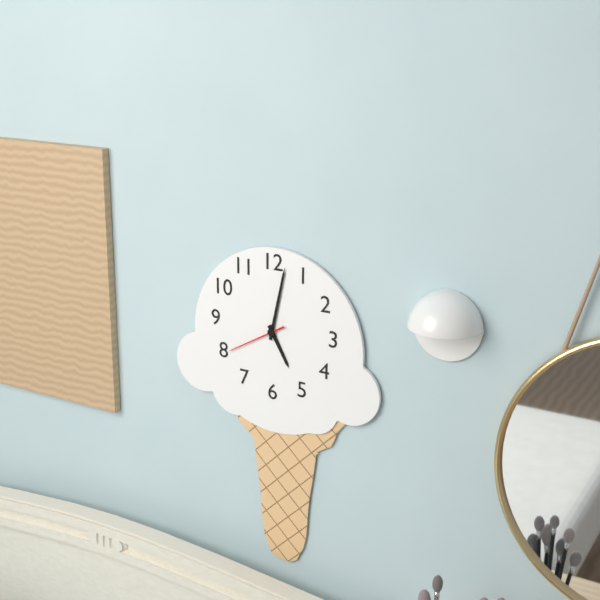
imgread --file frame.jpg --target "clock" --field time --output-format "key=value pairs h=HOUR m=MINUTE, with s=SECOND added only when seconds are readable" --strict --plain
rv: h=5 m=2 s=40
